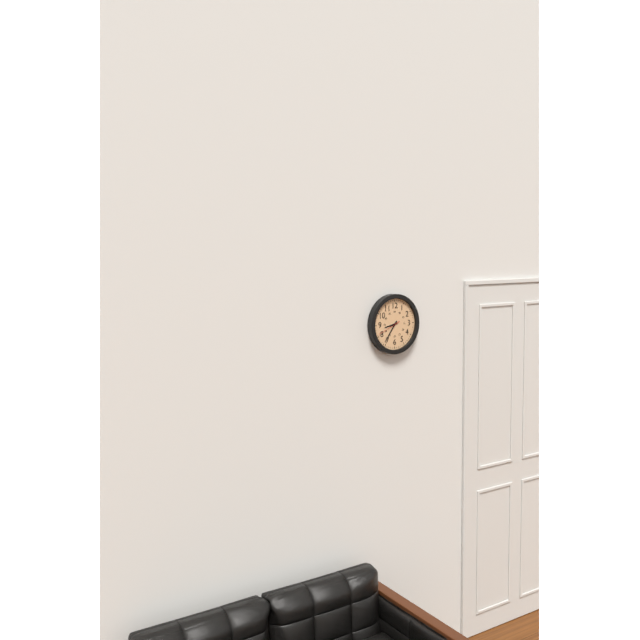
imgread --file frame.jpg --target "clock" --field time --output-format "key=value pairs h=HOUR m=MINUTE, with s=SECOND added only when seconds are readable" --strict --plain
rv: h=8 m=36
